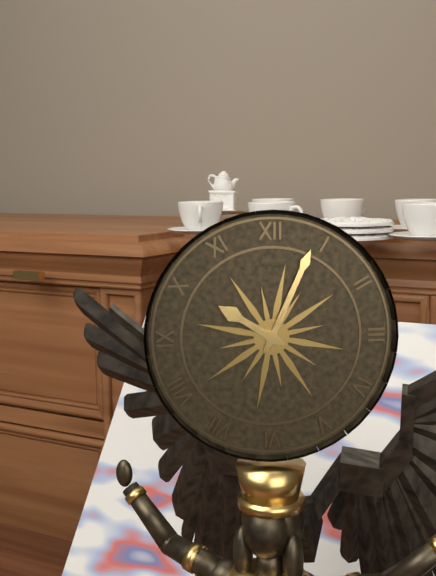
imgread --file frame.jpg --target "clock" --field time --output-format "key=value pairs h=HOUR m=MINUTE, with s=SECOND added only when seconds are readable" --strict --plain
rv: h=10 m=4
